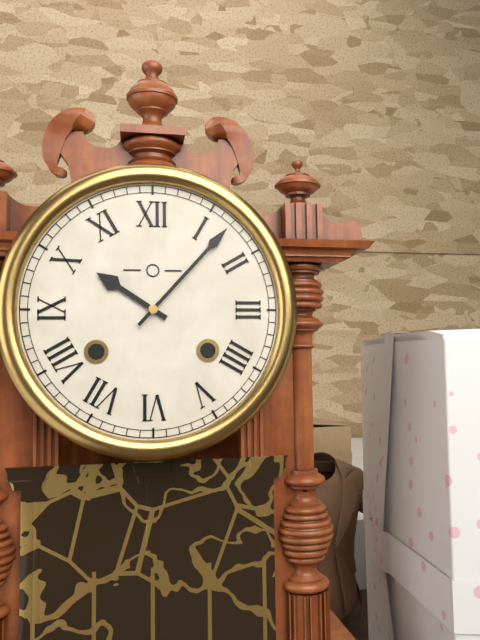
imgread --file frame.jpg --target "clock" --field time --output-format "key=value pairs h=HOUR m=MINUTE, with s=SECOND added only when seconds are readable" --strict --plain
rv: h=10 m=7
